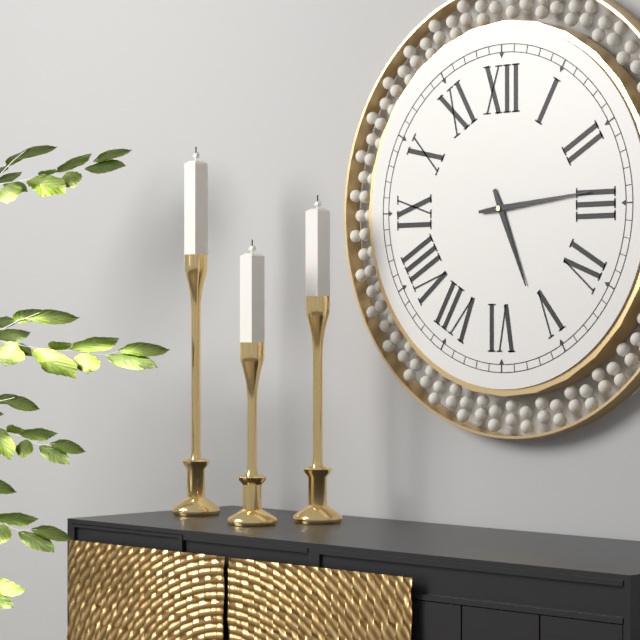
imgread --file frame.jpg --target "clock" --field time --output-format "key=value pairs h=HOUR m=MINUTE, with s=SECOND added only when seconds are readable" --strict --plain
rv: h=5 m=14
